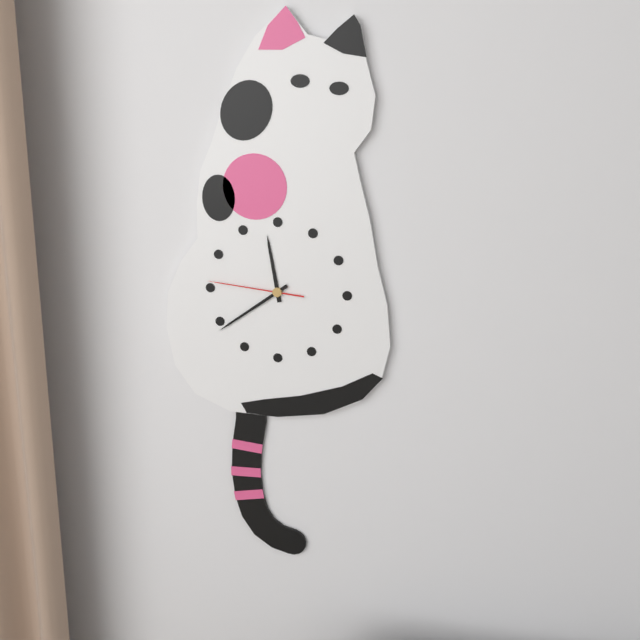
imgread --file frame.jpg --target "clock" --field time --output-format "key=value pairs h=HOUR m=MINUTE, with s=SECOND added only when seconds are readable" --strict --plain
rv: h=11 m=39 s=46
